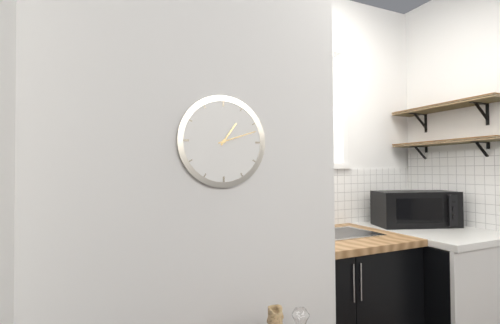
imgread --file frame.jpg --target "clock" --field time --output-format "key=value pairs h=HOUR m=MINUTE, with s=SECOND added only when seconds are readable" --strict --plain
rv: h=1 m=12
